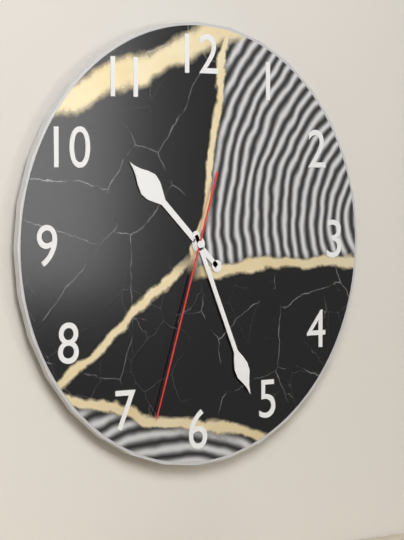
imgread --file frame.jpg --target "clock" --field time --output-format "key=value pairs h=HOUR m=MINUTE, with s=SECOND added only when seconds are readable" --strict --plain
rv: h=10 m=26 s=33
